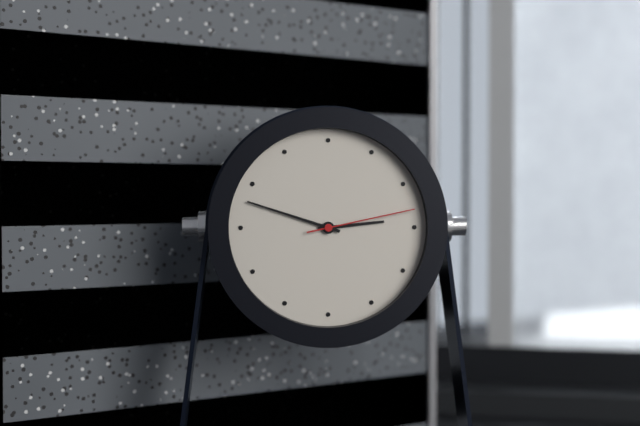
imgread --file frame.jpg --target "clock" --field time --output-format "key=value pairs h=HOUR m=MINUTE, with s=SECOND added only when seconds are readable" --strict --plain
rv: h=2 m=48 s=13
